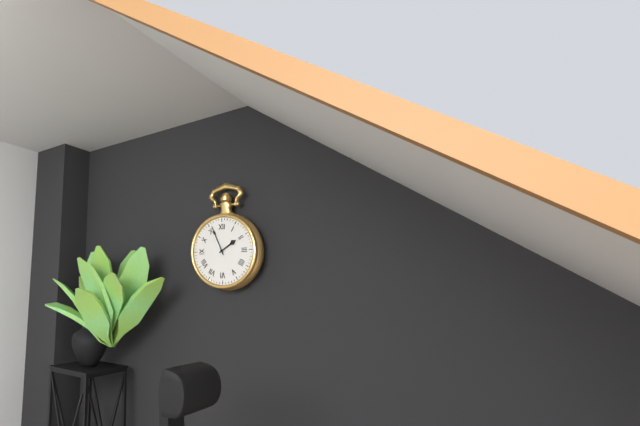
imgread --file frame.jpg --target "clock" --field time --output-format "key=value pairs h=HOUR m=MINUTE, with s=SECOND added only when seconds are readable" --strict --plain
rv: h=1 m=56
